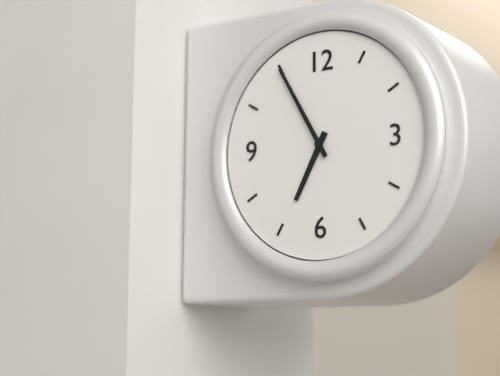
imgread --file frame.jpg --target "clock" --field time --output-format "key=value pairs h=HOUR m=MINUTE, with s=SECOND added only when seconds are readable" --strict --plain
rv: h=6 m=55
